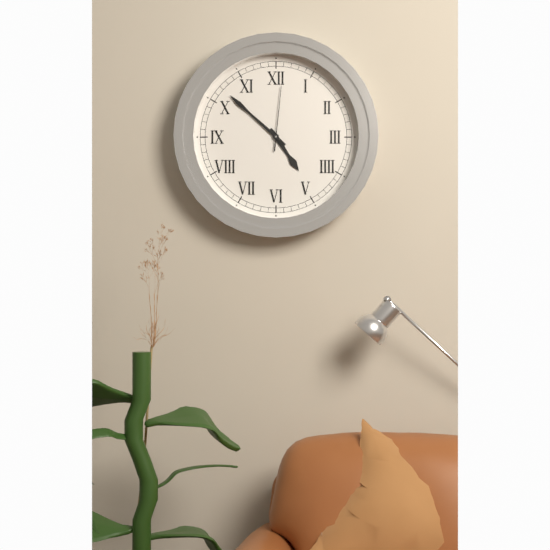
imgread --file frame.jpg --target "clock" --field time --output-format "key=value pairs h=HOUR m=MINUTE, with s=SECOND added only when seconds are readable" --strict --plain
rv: h=4 m=52 s=1
